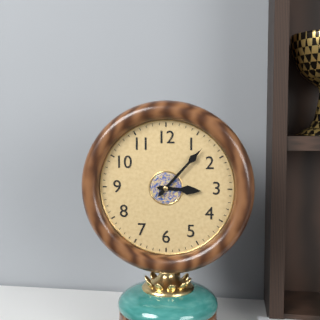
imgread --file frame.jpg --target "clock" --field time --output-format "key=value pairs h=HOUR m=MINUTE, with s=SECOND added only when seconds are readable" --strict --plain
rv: h=3 m=7
